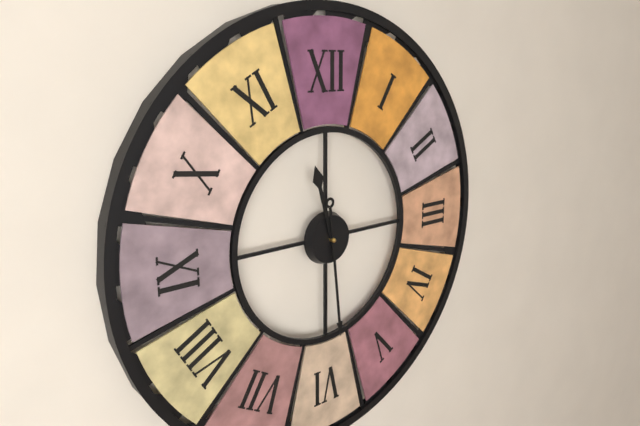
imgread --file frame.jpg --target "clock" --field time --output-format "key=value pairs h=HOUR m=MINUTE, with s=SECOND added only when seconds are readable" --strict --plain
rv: h=11 m=29
